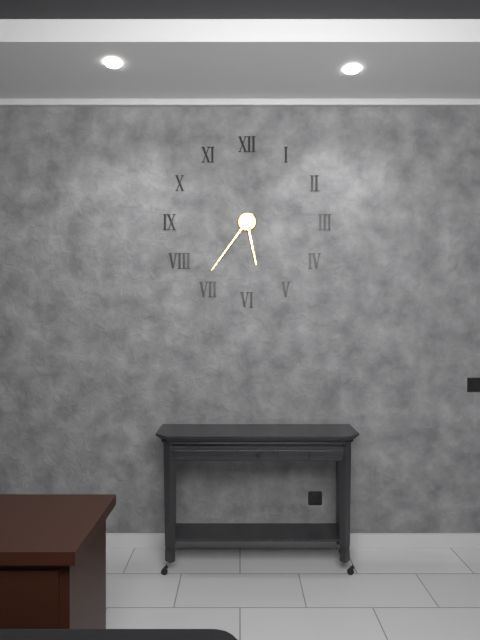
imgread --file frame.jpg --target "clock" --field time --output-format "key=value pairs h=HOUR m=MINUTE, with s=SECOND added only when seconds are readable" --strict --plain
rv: h=5 m=36
